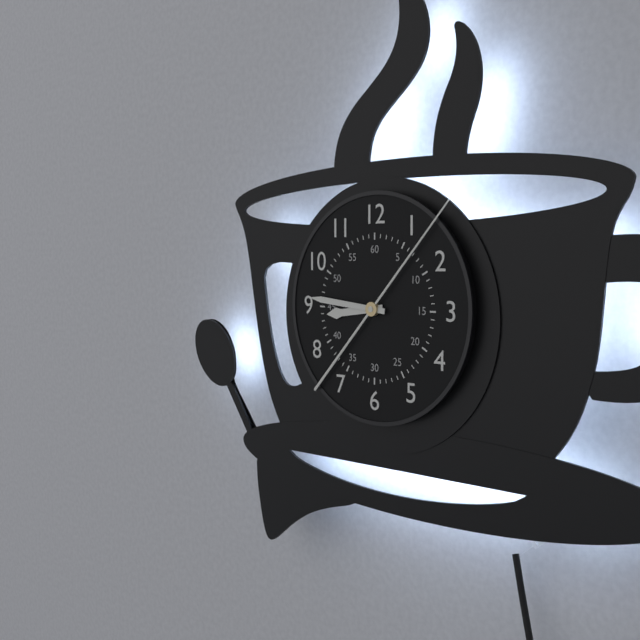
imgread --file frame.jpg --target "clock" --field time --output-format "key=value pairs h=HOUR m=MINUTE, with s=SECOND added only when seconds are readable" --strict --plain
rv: h=8 m=46 s=7
